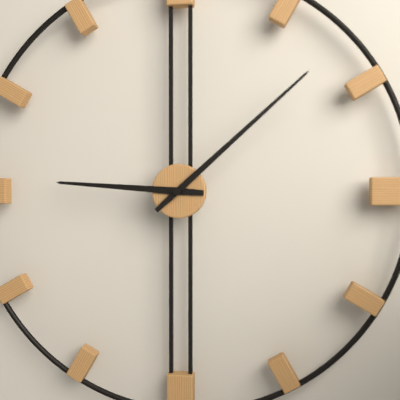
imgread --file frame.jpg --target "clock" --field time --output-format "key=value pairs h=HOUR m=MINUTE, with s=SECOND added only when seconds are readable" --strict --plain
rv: h=9 m=8
